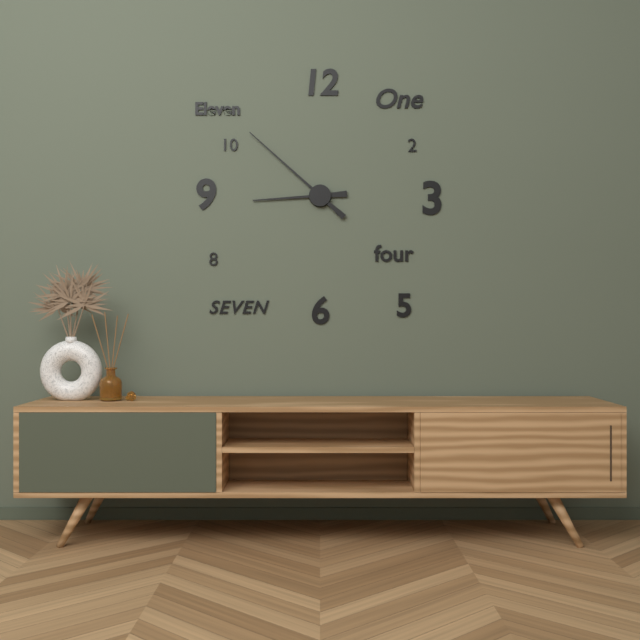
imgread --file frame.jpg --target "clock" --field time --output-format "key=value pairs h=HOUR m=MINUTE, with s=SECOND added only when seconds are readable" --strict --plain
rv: h=8 m=52
